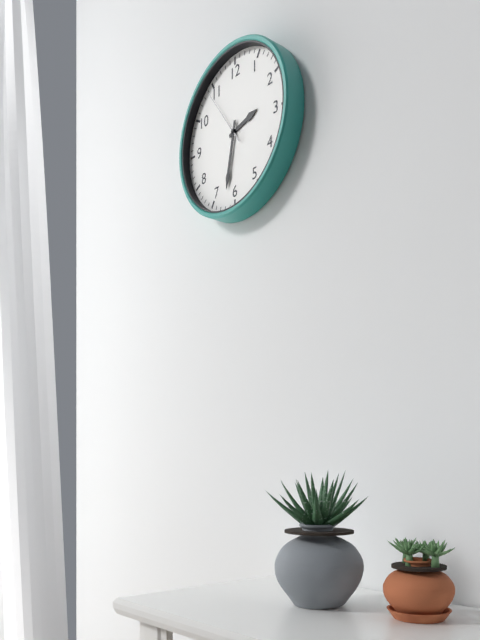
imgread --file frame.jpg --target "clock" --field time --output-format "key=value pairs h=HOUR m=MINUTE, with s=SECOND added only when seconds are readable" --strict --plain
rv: h=2 m=32 s=54
